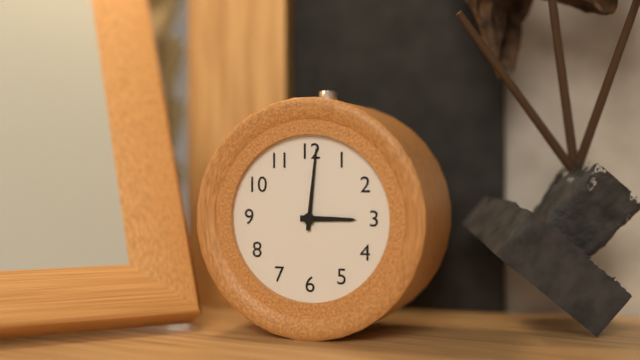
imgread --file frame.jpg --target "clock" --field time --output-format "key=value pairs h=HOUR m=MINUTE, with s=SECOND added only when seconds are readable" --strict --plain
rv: h=3 m=1
